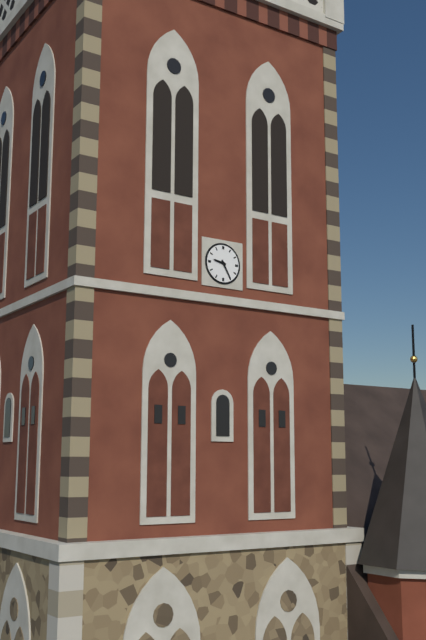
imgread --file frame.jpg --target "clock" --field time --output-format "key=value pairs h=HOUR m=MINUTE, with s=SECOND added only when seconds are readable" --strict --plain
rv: h=9 m=25
